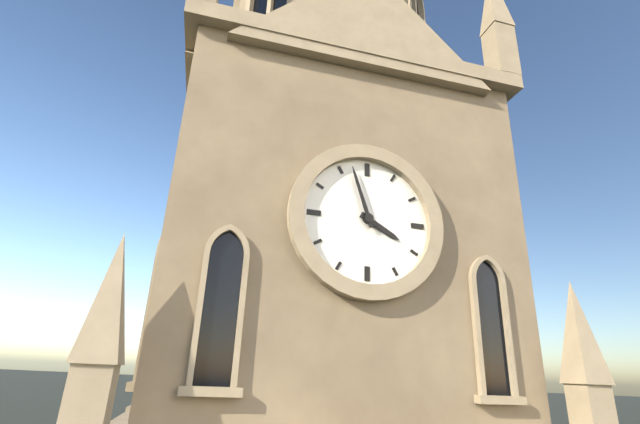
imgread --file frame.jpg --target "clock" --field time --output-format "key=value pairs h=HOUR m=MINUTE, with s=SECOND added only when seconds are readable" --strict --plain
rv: h=3 m=57
